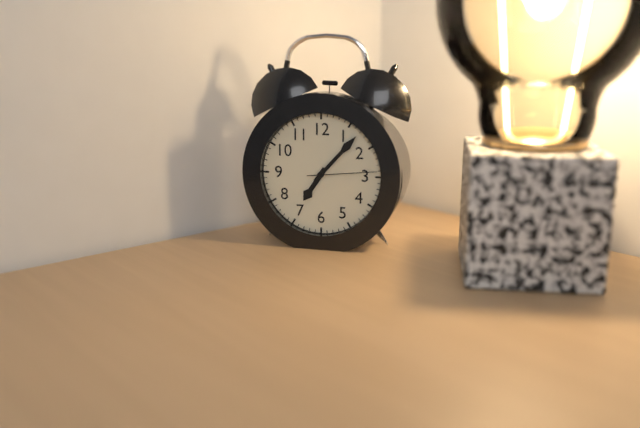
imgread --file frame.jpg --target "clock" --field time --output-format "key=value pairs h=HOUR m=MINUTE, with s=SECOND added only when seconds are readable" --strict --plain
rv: h=7 m=7 s=14
